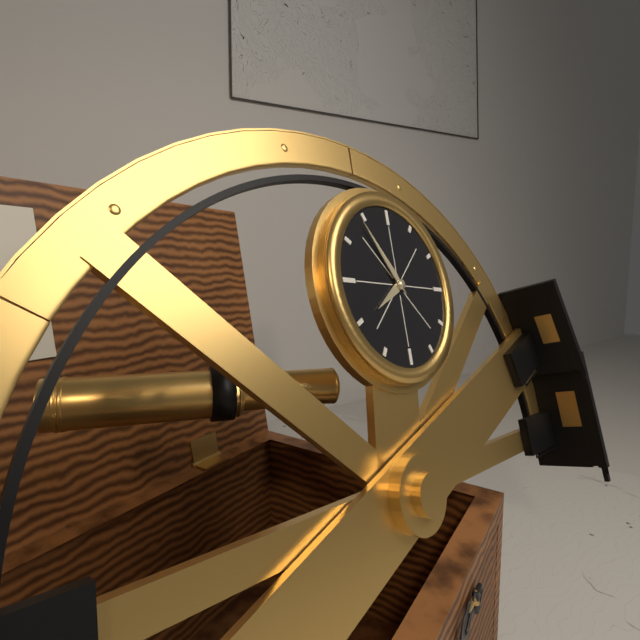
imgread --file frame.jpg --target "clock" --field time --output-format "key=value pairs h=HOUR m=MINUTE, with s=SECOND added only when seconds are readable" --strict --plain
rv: h=7 m=54
